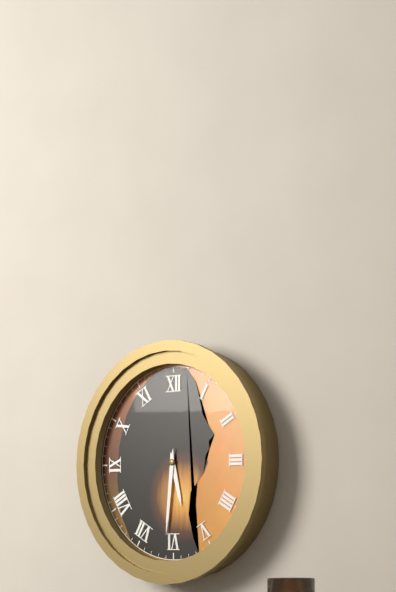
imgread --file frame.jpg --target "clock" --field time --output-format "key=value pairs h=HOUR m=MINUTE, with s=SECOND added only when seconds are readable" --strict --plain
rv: h=5 m=31
